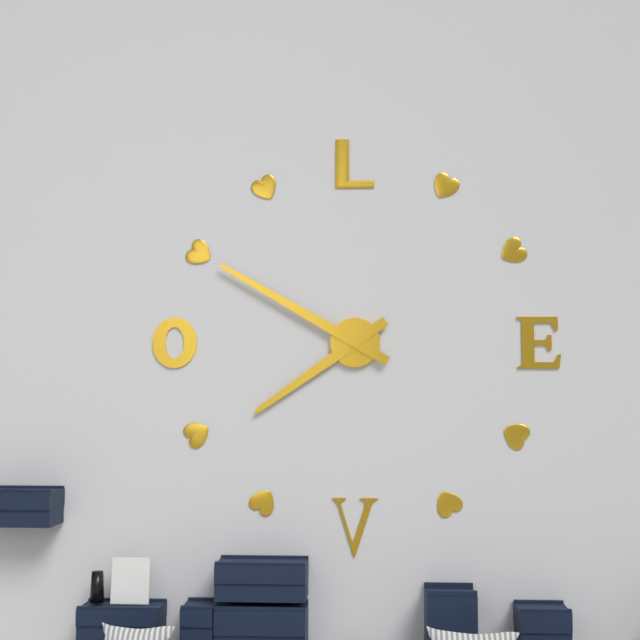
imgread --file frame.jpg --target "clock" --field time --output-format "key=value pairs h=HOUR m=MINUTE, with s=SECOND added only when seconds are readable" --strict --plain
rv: h=7 m=50
